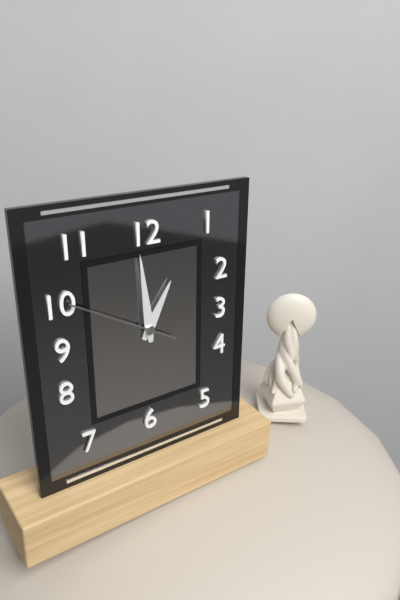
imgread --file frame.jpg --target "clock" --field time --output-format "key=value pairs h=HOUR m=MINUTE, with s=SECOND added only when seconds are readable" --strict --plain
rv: h=12 m=59 s=50
